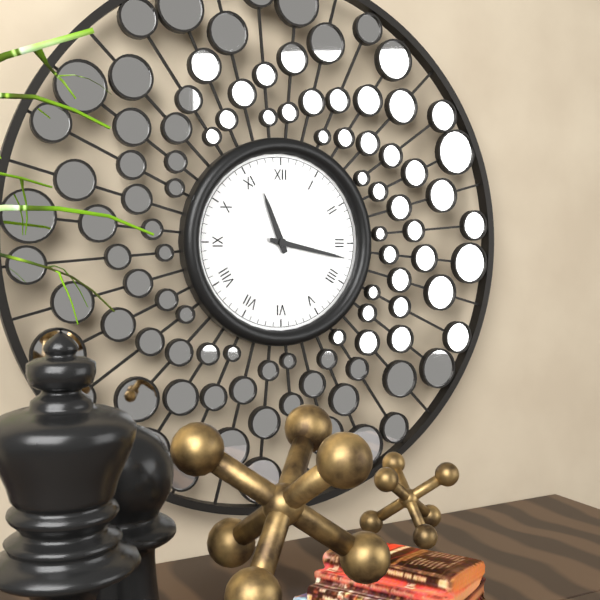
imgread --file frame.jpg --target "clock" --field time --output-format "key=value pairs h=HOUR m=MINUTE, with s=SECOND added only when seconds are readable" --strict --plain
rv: h=11 m=17
